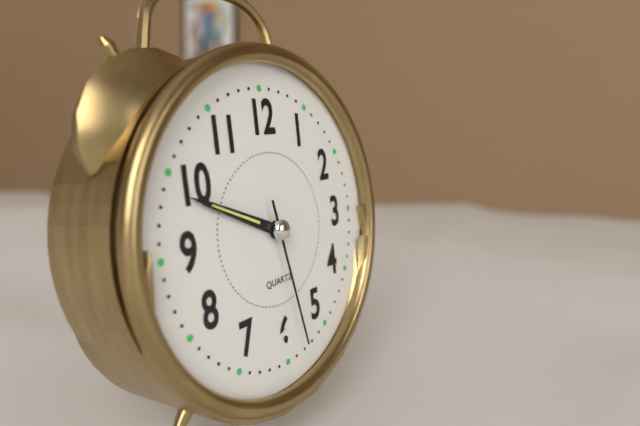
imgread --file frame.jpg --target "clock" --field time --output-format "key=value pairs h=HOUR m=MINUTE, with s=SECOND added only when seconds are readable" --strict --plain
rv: h=9 m=49 s=28
